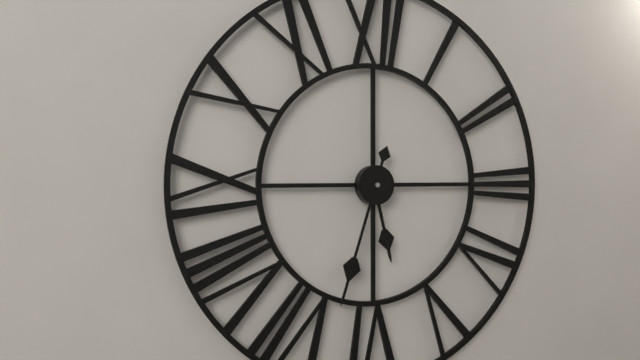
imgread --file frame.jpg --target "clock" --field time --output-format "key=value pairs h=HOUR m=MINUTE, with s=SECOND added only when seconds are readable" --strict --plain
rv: h=5 m=33
